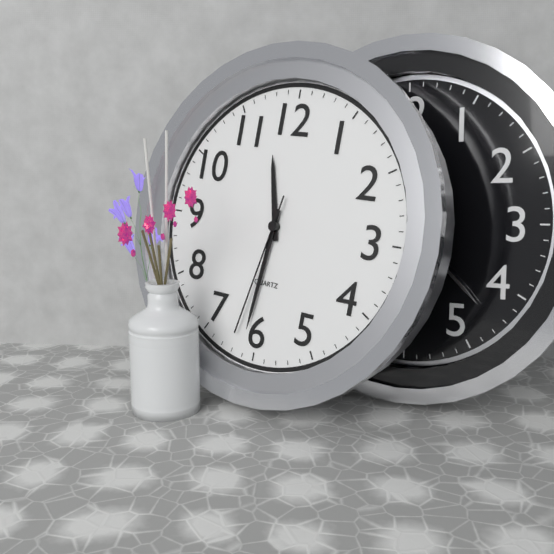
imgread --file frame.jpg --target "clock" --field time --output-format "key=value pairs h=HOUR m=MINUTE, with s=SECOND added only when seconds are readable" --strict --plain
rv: h=11 m=31 s=32
